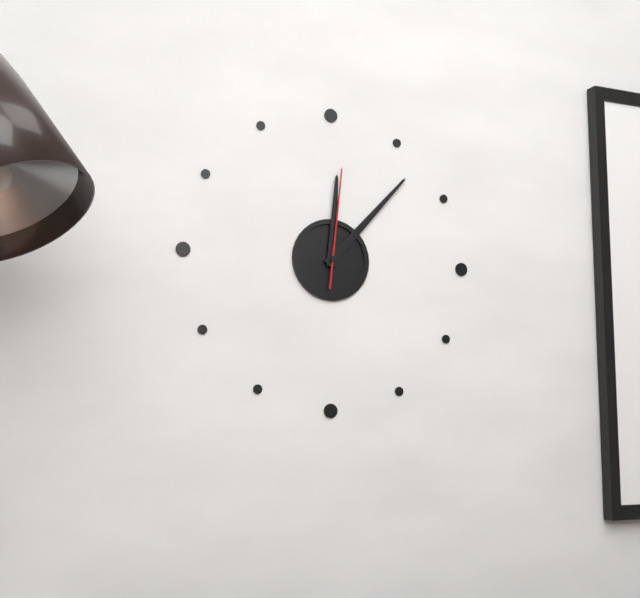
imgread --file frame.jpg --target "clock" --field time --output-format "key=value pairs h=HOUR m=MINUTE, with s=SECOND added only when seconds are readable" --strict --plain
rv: h=12 m=7 s=1
